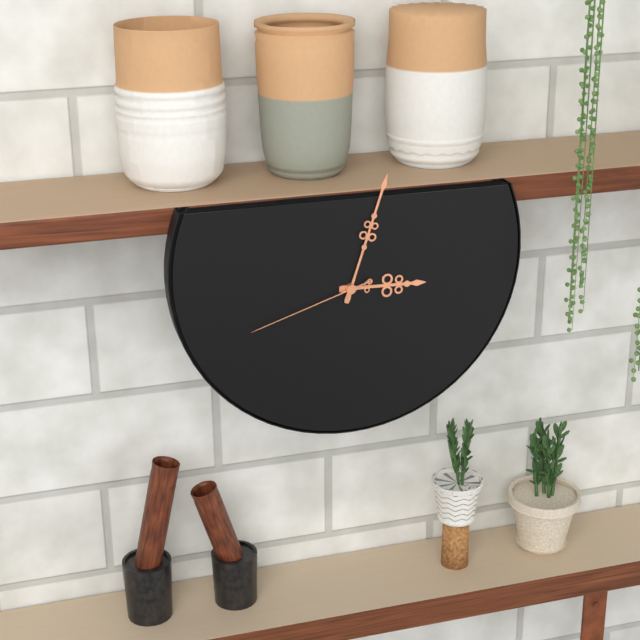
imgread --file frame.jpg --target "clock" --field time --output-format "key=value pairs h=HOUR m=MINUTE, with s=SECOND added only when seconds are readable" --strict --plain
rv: h=3 m=3 s=42
